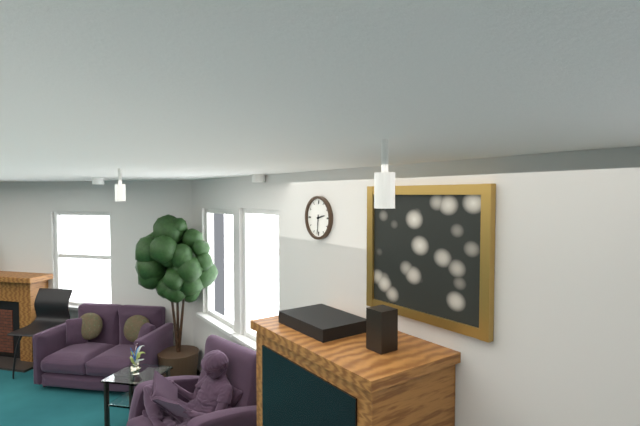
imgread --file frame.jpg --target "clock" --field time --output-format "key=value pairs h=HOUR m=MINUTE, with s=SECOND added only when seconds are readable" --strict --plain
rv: h=2 m=31
